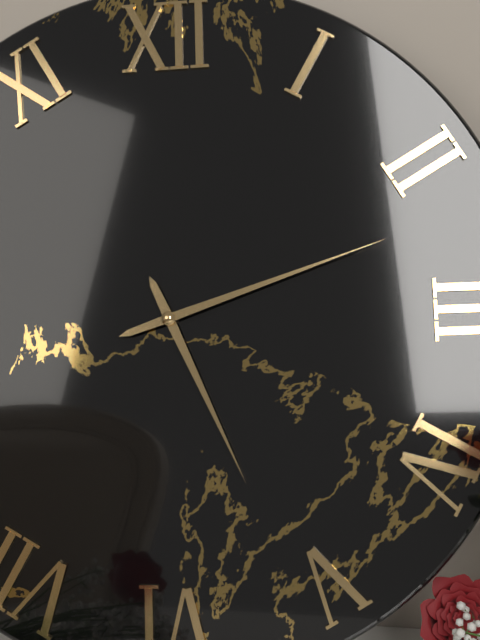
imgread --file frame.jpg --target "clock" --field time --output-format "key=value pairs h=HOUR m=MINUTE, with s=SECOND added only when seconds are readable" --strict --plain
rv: h=5 m=12
